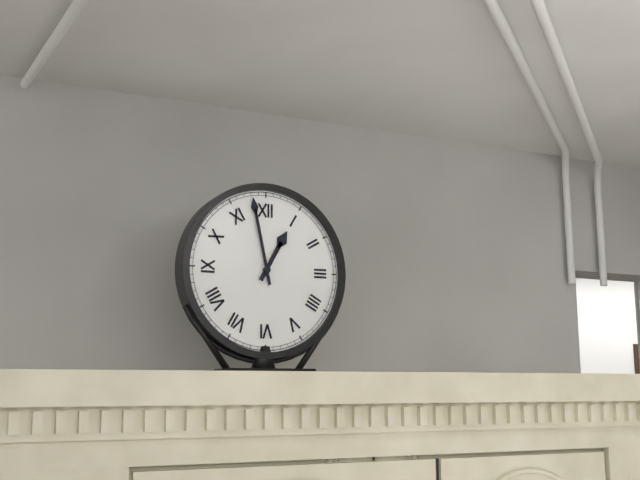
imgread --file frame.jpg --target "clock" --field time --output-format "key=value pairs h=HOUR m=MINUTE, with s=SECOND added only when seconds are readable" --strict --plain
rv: h=12 m=58
